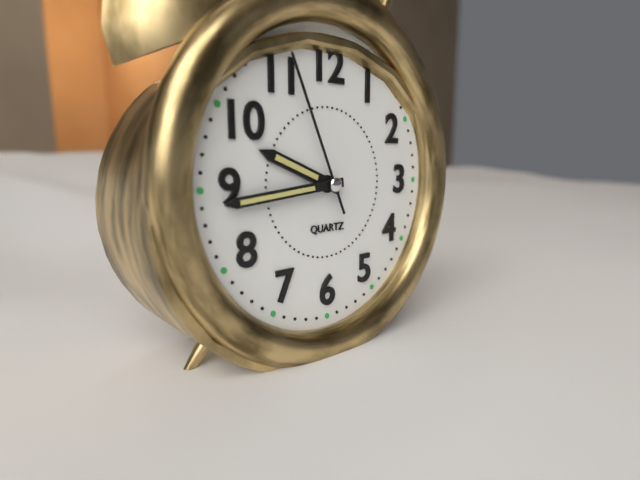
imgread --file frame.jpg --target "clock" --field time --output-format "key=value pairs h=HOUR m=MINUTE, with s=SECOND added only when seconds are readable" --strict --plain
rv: h=9 m=44 s=56
